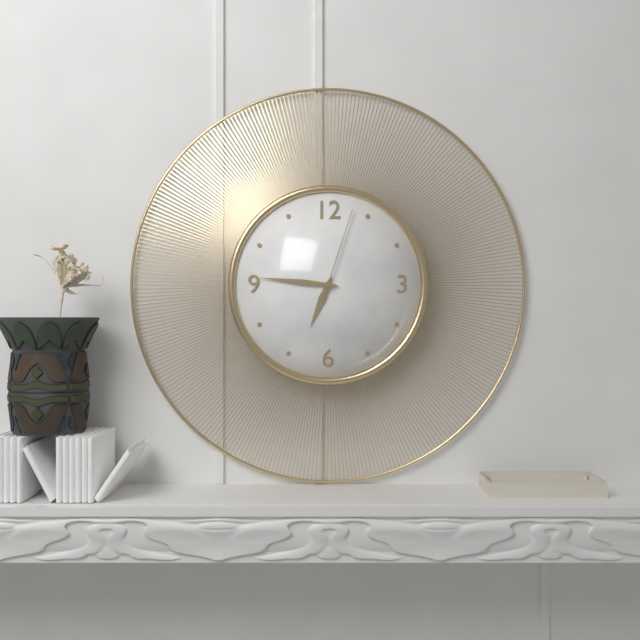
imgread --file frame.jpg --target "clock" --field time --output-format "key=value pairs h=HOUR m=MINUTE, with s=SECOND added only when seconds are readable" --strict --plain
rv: h=6 m=46 s=3
